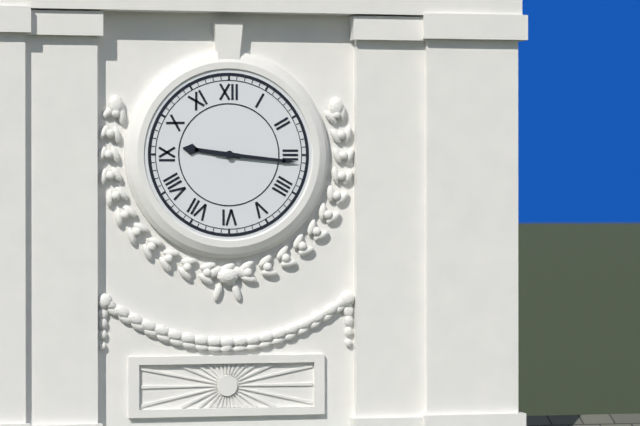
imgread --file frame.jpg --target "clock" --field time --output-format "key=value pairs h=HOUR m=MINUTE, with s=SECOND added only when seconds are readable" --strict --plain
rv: h=9 m=16
